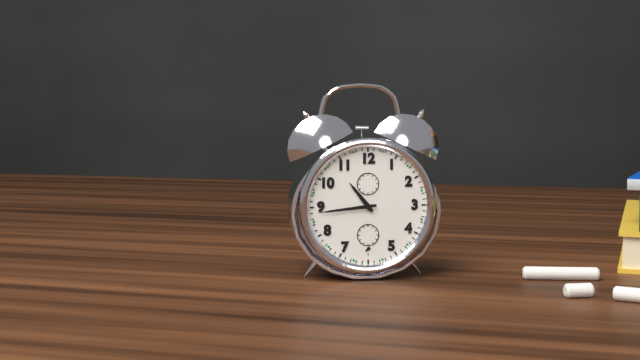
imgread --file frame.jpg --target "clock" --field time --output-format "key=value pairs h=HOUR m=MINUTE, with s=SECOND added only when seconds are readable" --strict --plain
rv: h=10 m=44
